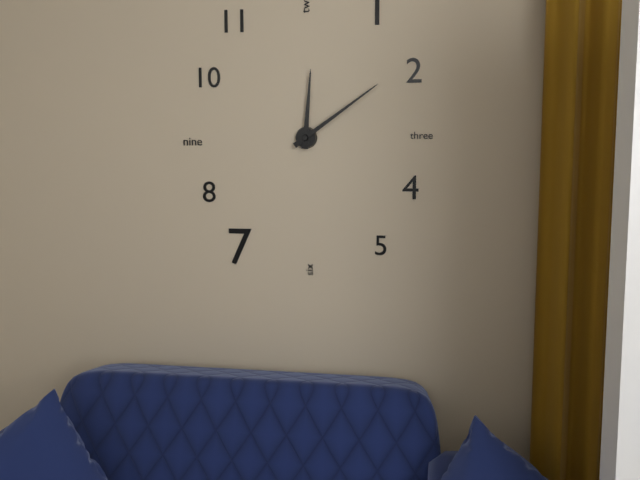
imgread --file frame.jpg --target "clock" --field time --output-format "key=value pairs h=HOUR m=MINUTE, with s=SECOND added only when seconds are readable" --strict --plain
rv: h=12 m=9
